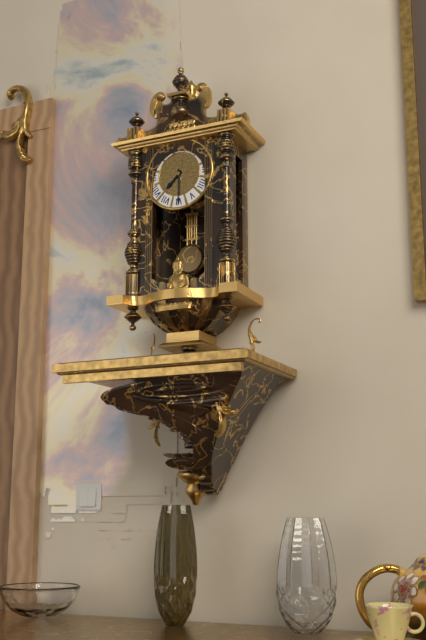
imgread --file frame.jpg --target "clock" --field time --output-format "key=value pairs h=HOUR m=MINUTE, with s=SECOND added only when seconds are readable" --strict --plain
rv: h=7 m=30
